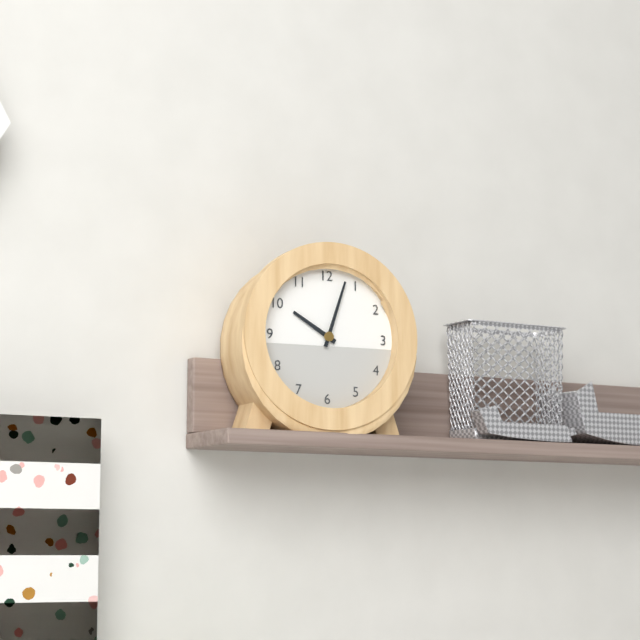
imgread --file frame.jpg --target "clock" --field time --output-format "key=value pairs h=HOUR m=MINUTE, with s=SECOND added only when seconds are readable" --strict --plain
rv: h=10 m=3
